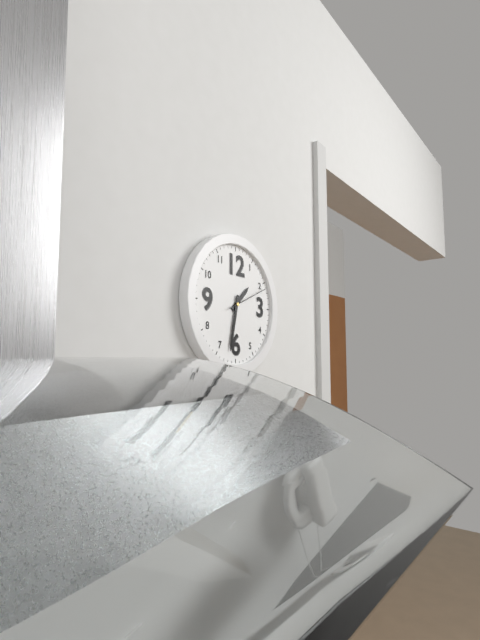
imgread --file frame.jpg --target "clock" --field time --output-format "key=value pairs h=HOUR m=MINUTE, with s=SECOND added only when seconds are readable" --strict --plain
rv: h=1 m=32
